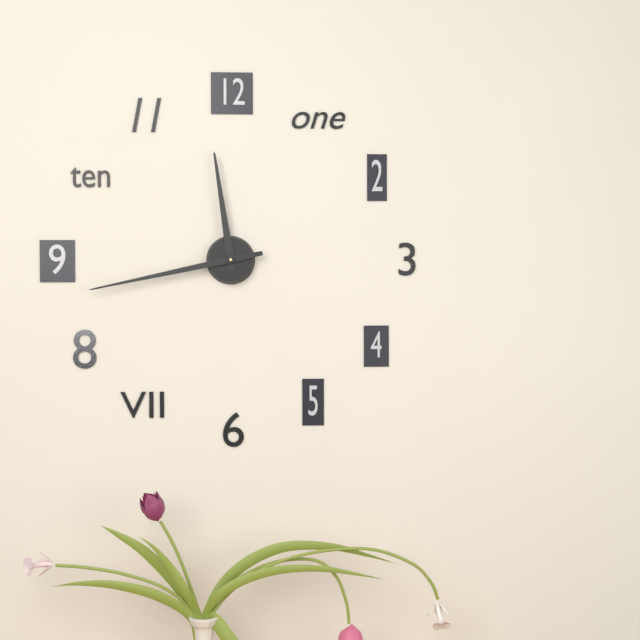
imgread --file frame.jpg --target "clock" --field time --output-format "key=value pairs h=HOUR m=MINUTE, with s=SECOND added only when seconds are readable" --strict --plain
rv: h=11 m=43
